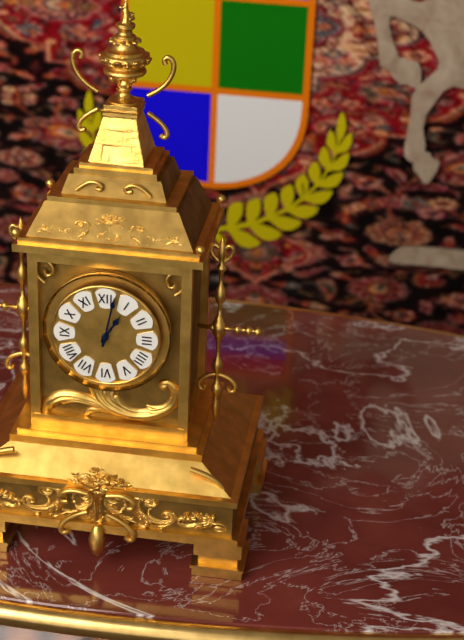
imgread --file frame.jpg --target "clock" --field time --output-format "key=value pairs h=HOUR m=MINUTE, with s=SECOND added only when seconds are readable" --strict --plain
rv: h=1 m=2
